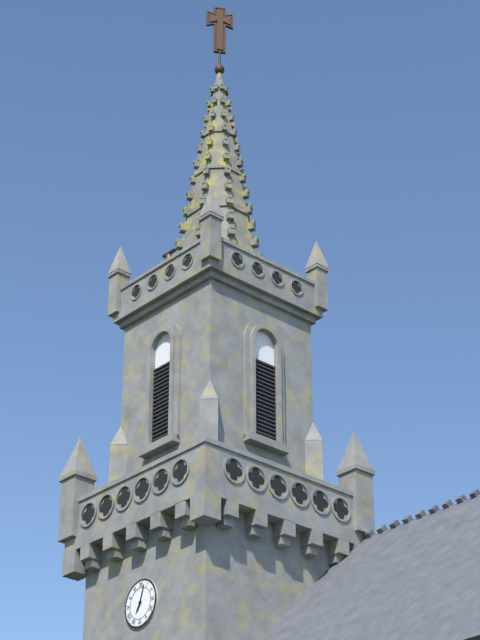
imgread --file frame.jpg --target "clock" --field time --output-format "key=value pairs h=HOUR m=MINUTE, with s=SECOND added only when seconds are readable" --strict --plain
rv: h=7 m=3
